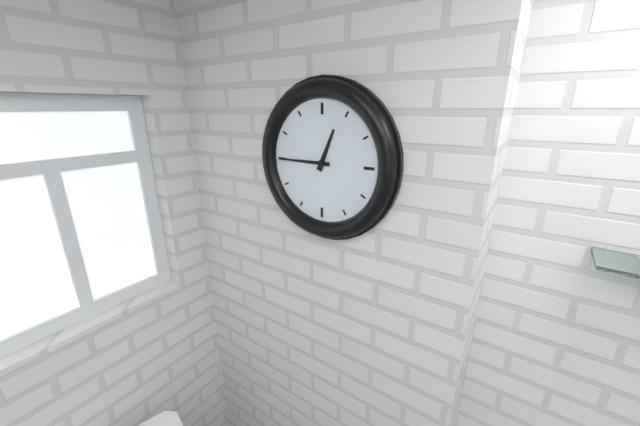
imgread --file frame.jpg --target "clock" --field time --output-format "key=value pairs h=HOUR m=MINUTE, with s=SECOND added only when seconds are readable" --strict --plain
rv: h=12 m=45
